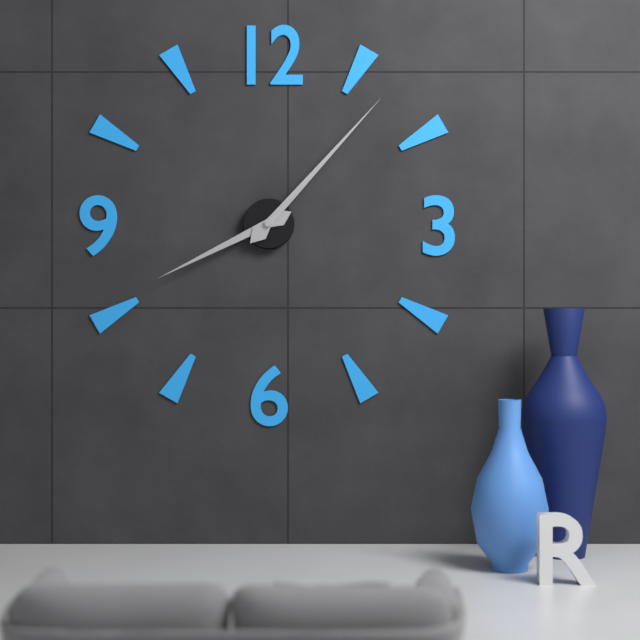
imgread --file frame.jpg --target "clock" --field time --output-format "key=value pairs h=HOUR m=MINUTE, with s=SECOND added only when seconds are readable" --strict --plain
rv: h=8 m=7
